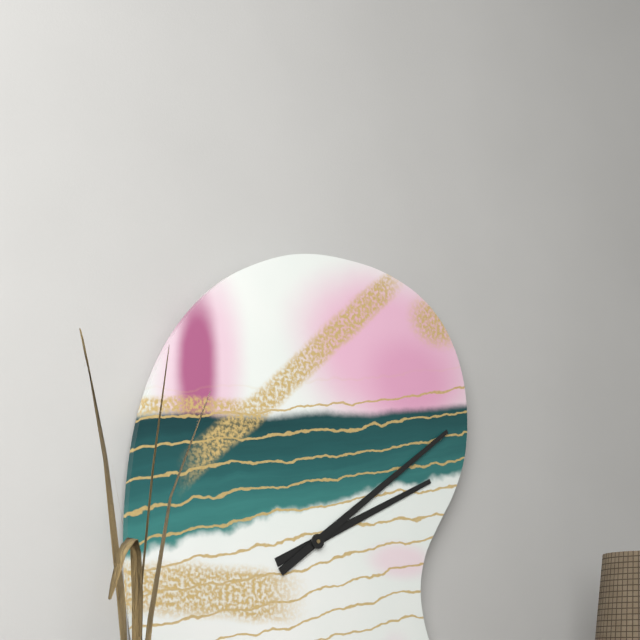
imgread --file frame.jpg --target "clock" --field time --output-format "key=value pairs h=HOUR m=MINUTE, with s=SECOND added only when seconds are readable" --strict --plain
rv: h=2 m=9
